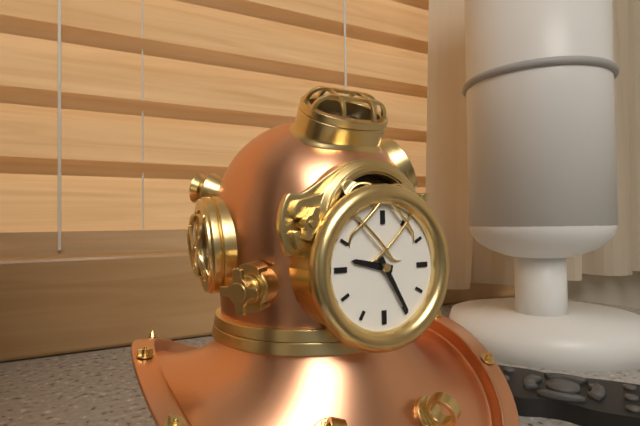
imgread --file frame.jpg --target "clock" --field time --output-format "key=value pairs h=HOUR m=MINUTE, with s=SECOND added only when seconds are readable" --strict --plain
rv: h=9 m=25
